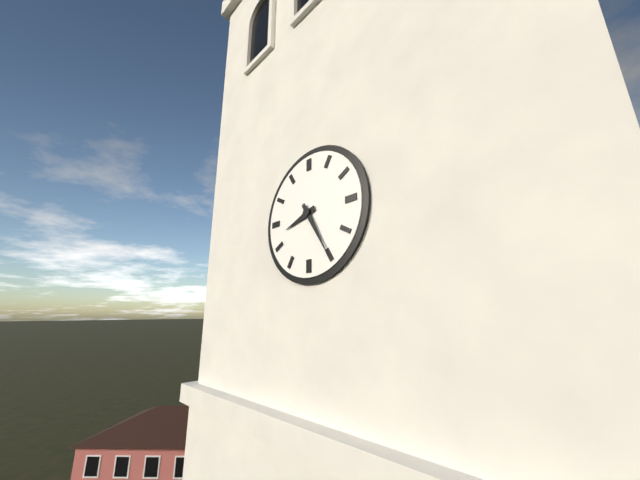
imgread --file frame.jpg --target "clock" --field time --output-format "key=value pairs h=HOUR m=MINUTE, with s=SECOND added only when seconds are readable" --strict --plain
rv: h=8 m=25
